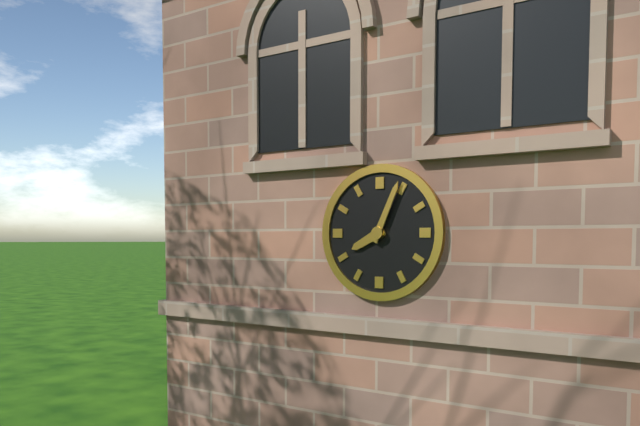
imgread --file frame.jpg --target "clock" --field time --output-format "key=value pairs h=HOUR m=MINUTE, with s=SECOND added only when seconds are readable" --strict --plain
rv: h=8 m=4
